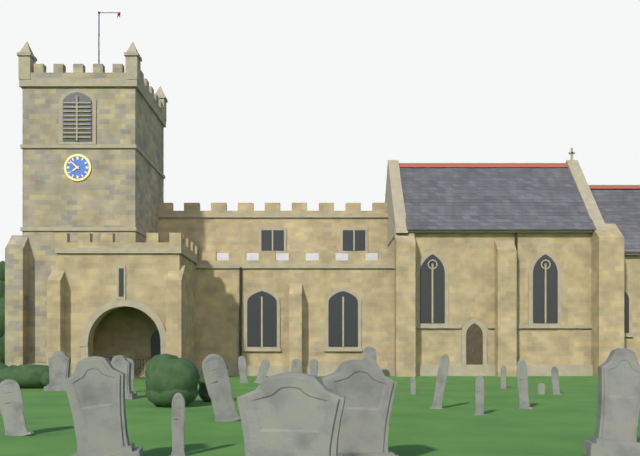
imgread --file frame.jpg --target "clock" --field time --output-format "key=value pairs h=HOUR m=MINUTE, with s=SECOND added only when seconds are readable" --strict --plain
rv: h=7 m=52
